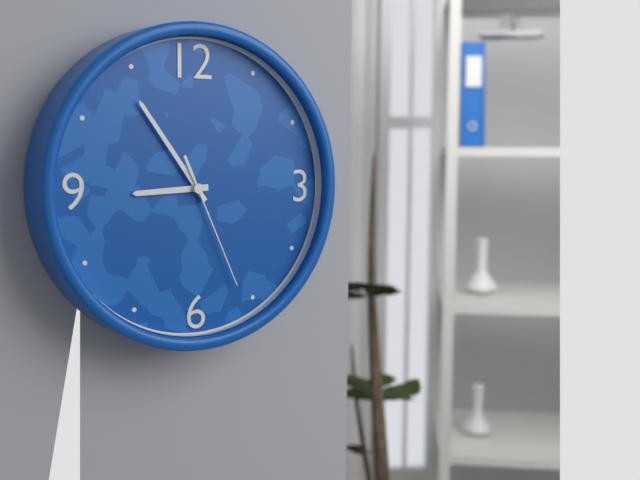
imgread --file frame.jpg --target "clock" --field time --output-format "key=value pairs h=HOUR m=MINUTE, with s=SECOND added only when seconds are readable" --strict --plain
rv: h=8 m=54 s=26
